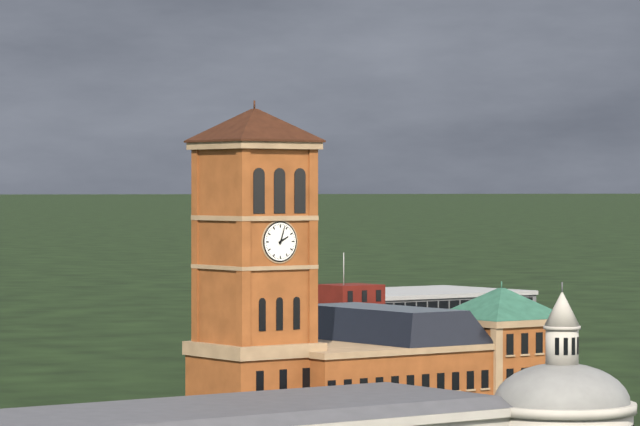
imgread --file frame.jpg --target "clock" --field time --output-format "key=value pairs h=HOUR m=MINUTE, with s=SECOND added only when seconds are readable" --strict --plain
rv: h=2 m=3
